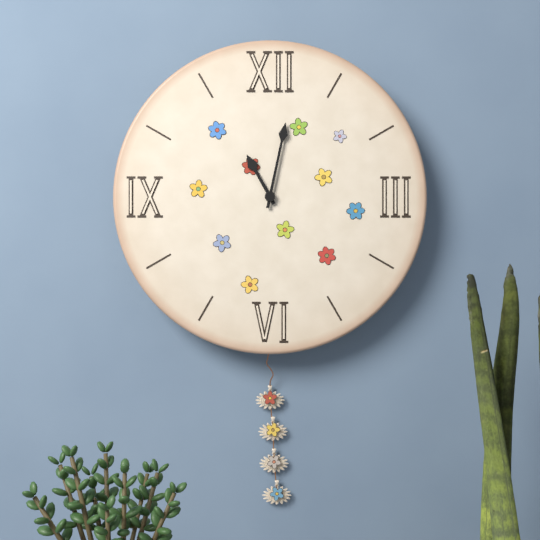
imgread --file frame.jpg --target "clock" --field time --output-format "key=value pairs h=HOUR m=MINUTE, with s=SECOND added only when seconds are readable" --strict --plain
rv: h=11 m=2
